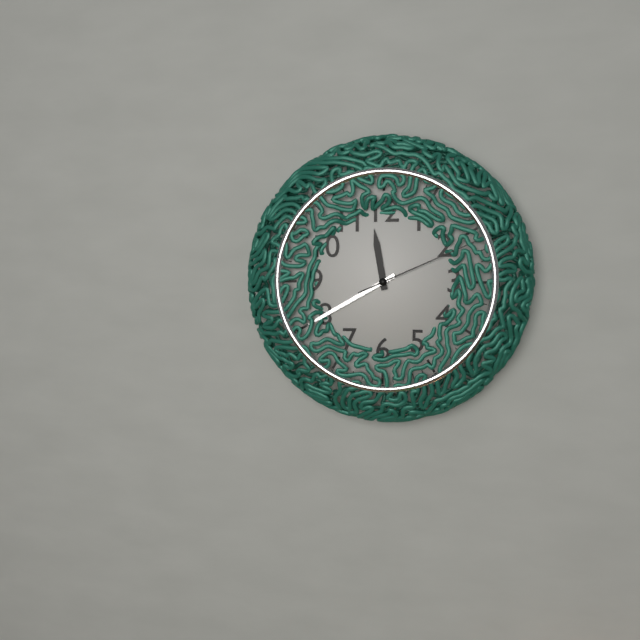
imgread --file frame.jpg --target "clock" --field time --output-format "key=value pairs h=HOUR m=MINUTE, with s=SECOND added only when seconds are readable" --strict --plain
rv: h=11 m=40 s=11
